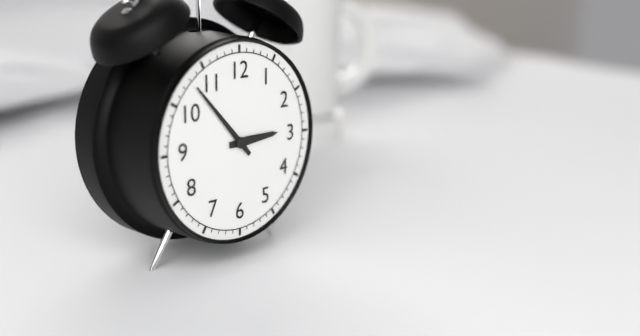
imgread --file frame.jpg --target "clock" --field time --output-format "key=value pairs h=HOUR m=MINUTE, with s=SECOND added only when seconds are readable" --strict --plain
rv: h=2 m=53
